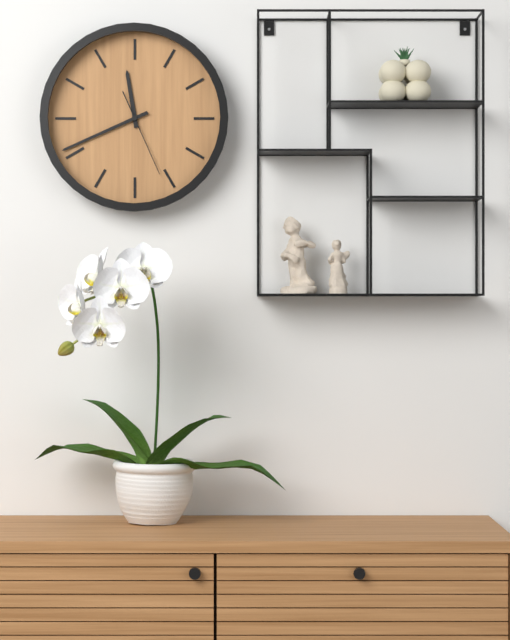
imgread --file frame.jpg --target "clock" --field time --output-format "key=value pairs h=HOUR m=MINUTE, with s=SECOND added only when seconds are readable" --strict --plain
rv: h=11 m=41 s=26
